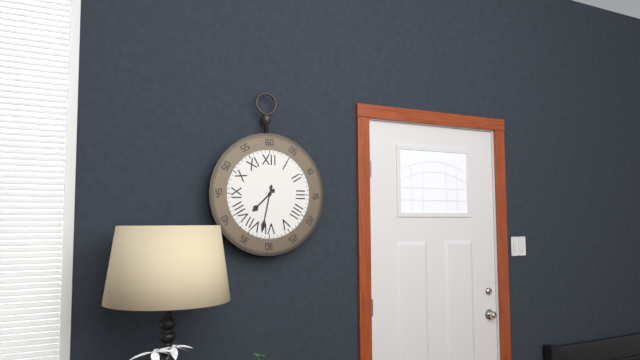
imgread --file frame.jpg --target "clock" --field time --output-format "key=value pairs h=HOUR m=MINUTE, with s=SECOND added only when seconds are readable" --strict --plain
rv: h=7 m=32
